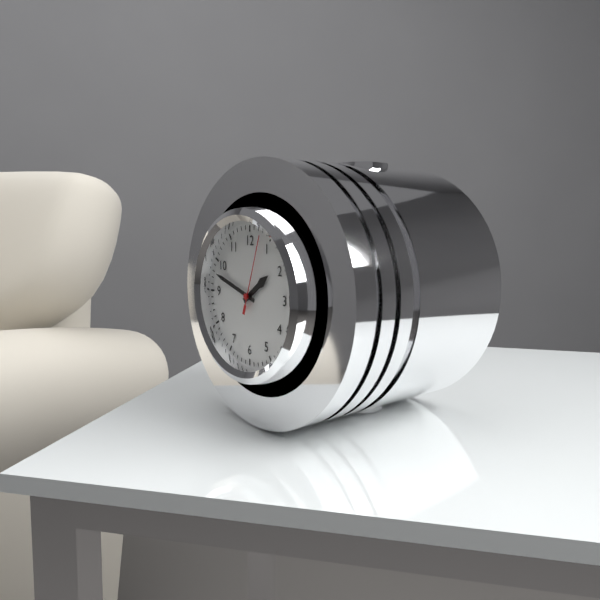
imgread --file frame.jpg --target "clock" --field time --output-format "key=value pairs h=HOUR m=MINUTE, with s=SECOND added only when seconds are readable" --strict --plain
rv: h=1 m=48 s=3
